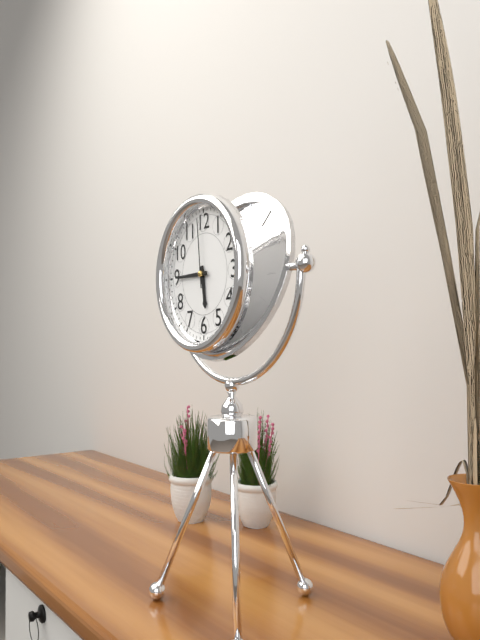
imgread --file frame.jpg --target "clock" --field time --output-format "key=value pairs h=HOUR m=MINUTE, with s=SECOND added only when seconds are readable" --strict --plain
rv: h=5 m=45 s=59
